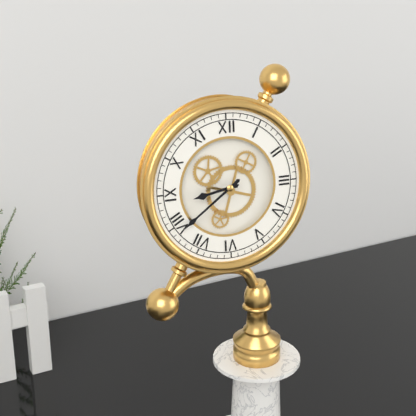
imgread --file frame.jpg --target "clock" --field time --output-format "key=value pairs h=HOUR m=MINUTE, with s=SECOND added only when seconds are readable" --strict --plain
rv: h=8 m=39
